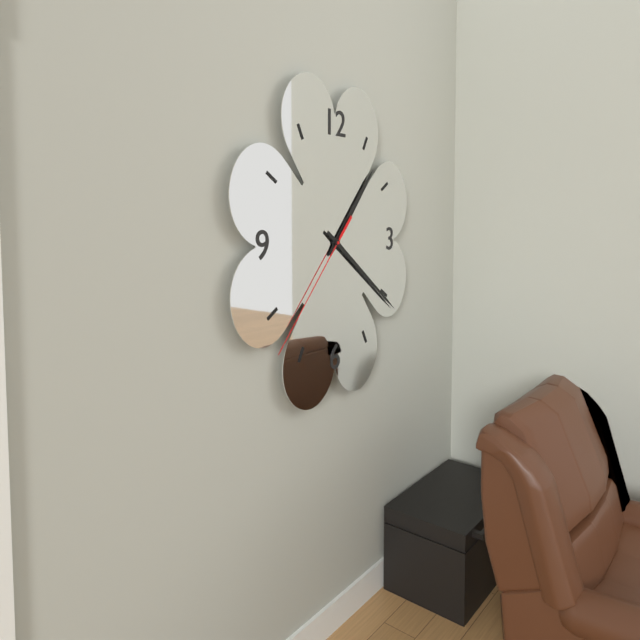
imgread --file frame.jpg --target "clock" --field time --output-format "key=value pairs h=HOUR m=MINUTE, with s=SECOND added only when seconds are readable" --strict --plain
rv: h=1 m=21 s=37
